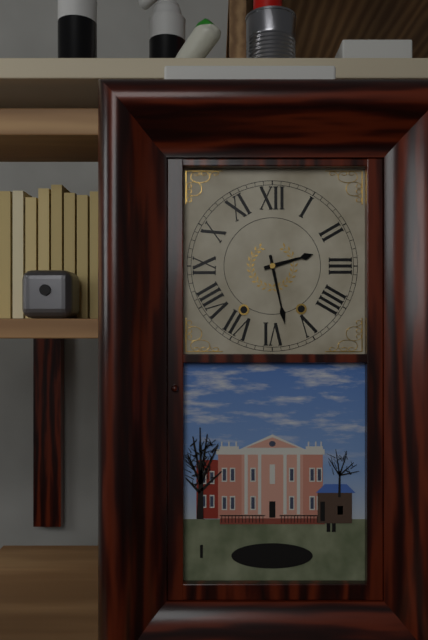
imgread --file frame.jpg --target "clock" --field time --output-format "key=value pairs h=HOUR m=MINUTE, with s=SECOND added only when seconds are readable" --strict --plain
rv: h=2 m=28
